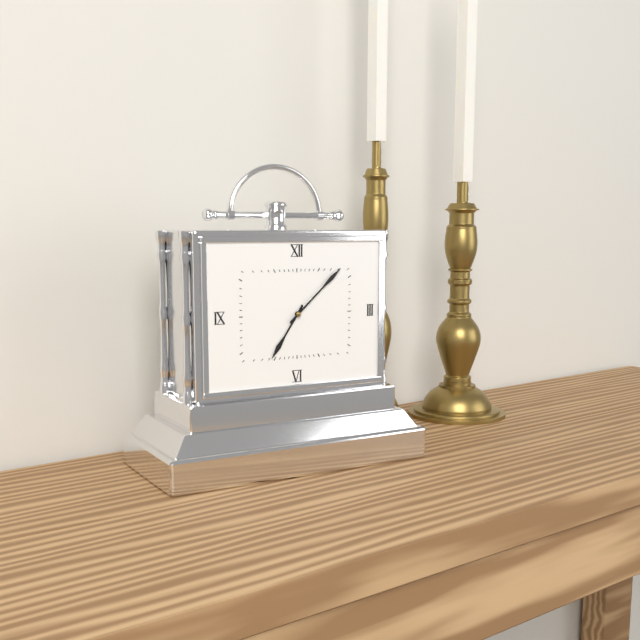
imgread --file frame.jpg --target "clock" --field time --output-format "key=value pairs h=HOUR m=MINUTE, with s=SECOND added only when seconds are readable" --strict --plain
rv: h=7 m=8
